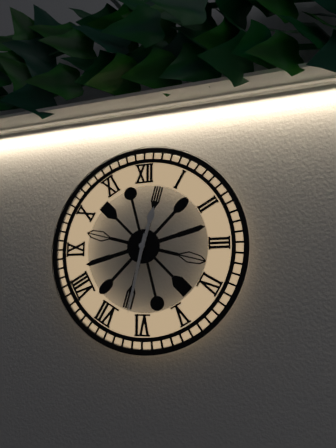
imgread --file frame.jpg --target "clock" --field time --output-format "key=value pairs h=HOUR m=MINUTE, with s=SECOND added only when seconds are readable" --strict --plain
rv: h=12 m=32
